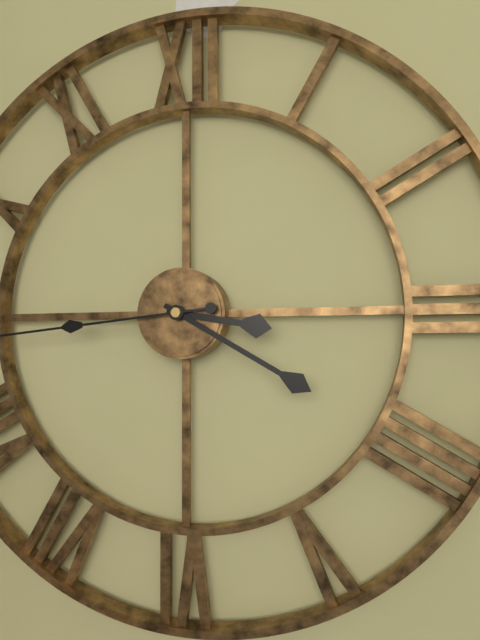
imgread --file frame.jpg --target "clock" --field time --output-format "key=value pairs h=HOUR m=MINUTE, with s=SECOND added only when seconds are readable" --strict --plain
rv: h=3 m=20
